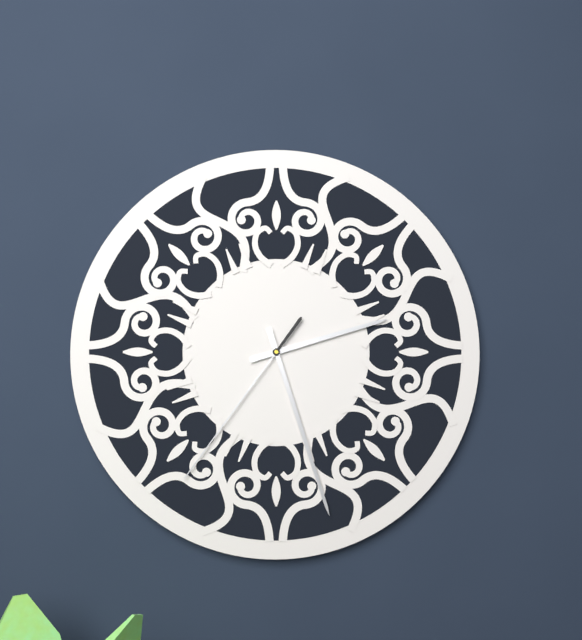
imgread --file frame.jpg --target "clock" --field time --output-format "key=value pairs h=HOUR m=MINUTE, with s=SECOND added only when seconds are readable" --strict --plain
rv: h=2 m=27 s=36
